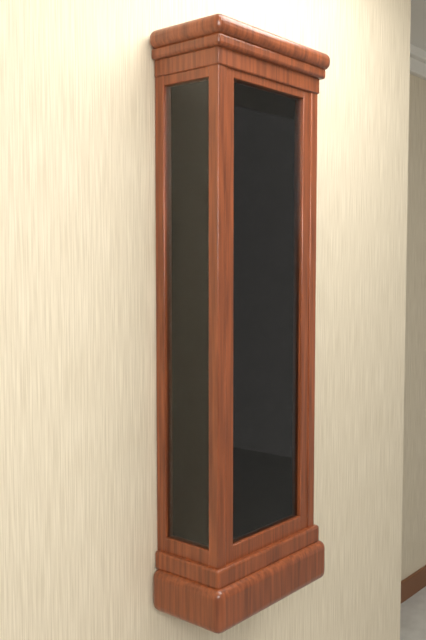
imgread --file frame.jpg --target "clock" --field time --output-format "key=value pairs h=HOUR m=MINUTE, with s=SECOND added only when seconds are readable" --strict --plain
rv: h=4 m=59
